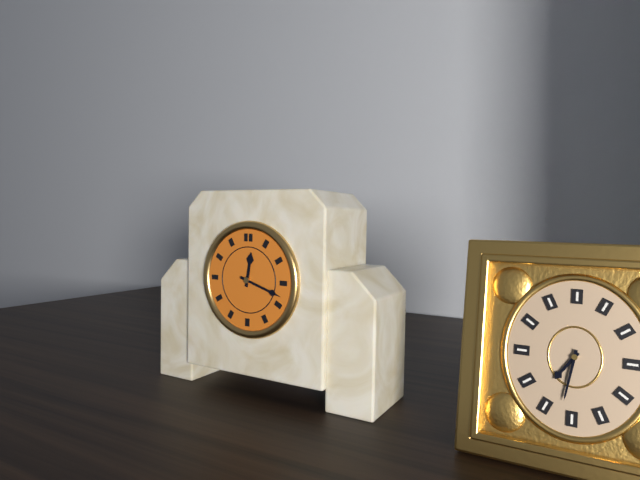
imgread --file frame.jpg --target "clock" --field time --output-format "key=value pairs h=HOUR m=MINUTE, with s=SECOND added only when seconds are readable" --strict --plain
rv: h=12 m=18
